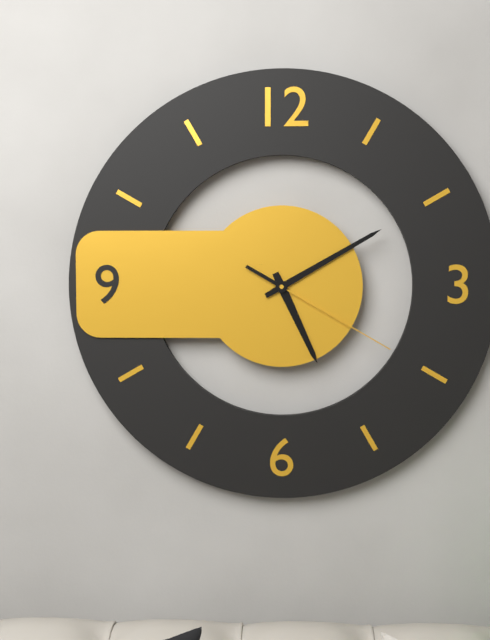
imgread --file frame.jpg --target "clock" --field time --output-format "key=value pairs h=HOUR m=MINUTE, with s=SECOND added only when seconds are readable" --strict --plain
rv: h=5 m=10 s=20
